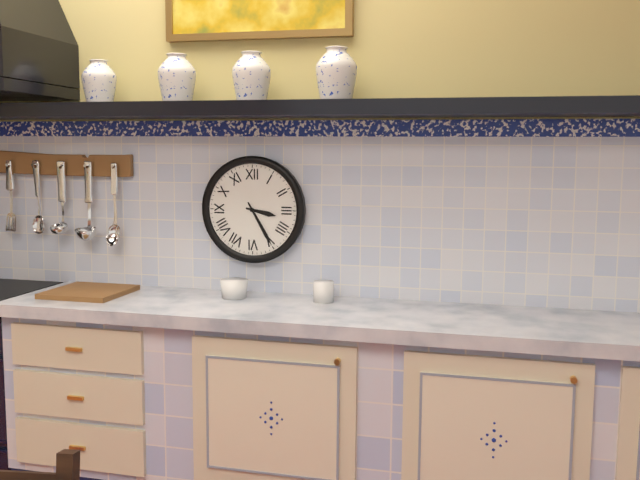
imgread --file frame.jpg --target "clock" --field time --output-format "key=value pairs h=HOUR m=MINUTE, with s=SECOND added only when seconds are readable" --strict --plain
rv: h=3 m=25
